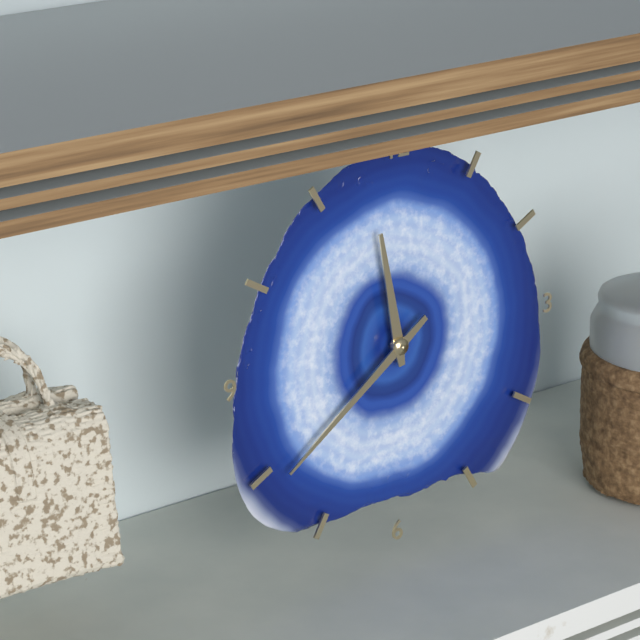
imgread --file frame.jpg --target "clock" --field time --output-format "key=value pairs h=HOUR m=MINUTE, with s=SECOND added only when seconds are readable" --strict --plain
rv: h=11 m=39
